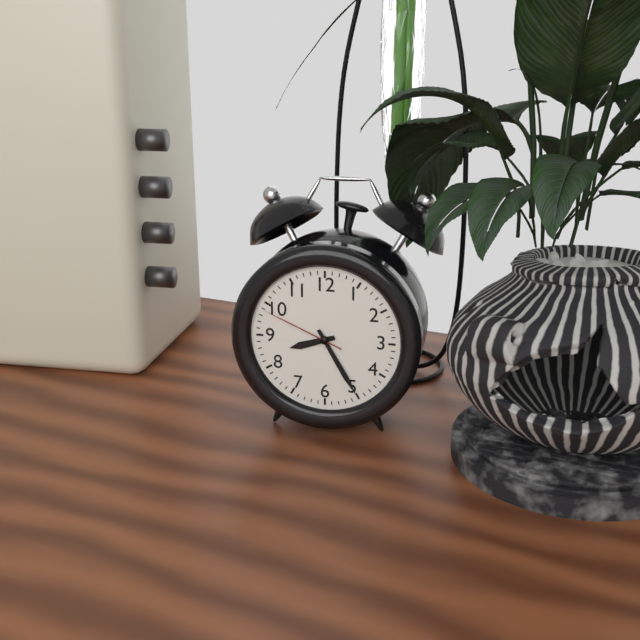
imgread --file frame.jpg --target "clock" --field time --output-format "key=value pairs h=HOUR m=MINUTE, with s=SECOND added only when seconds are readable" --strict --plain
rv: h=8 m=25 s=49
